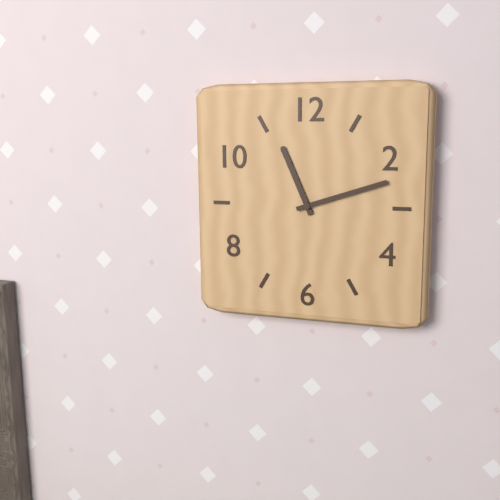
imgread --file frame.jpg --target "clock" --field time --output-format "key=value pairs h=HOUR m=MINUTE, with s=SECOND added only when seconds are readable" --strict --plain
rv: h=11 m=12
